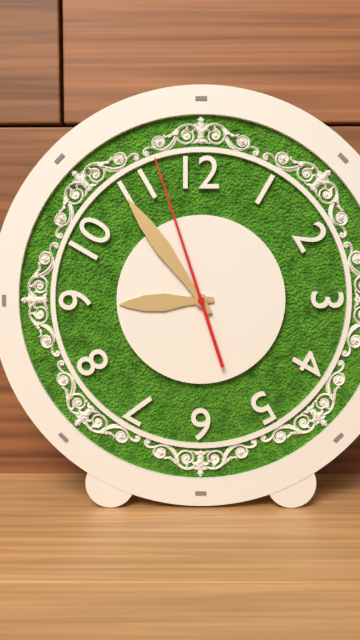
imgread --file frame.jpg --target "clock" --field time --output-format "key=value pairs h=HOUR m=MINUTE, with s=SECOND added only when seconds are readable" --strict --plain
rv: h=8 m=54 s=57
